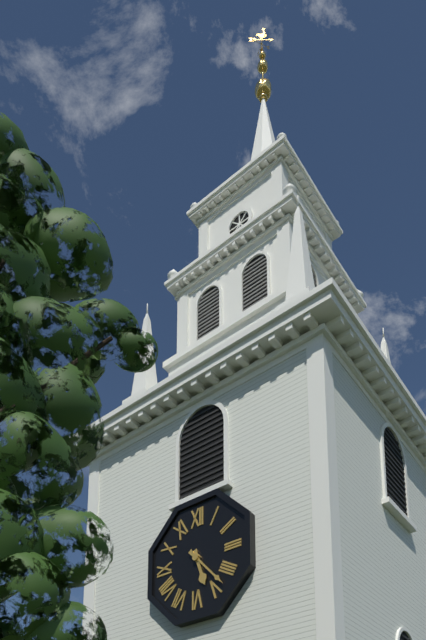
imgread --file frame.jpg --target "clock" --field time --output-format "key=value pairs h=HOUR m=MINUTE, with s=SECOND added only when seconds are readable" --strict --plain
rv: h=5 m=23
